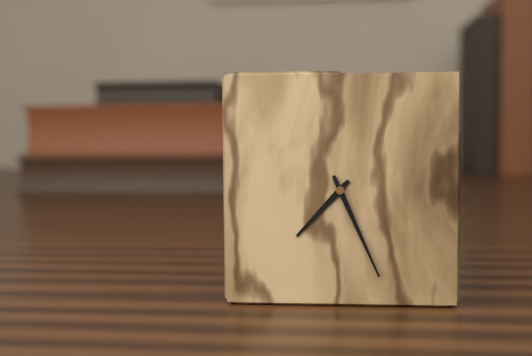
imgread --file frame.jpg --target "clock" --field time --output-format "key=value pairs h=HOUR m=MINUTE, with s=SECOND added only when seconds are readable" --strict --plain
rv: h=7 m=26
